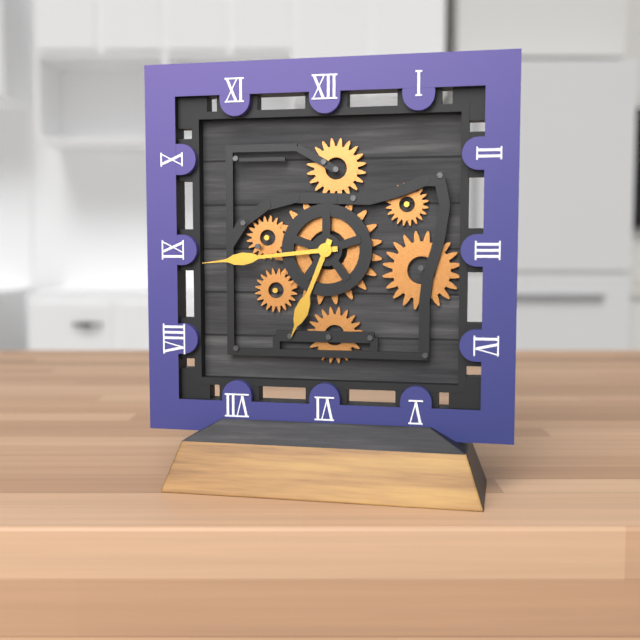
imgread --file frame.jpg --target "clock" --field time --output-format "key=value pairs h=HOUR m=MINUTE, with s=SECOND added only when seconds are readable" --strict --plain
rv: h=6 m=44
